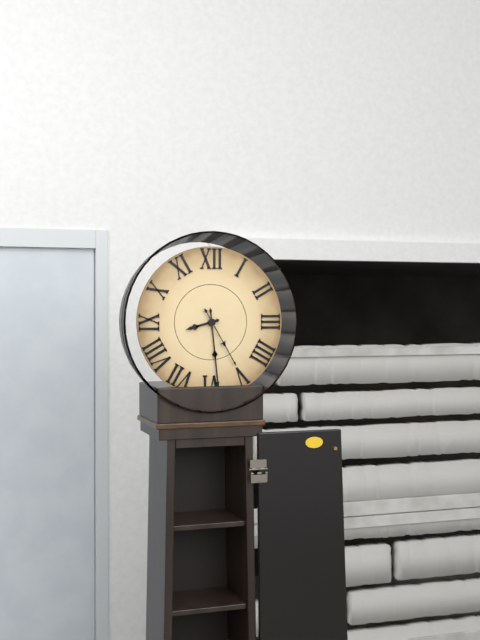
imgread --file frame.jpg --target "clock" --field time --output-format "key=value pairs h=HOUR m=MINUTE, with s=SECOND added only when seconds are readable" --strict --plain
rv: h=8 m=29 s=25
